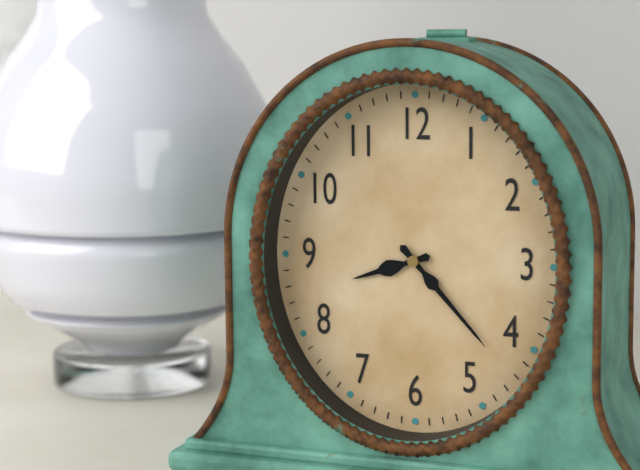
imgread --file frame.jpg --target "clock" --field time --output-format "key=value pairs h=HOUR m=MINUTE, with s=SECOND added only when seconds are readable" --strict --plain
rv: h=8 m=23
